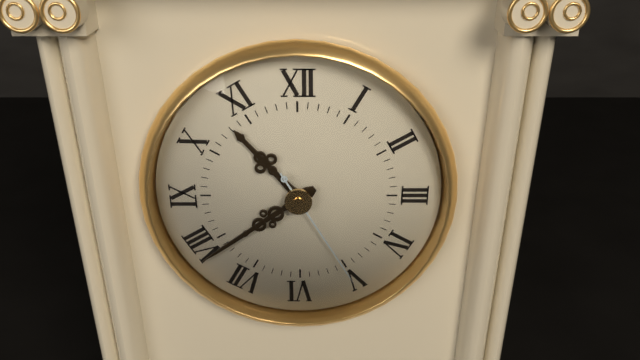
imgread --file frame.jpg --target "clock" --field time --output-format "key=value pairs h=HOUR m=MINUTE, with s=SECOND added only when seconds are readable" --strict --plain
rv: h=10 m=39 s=25
